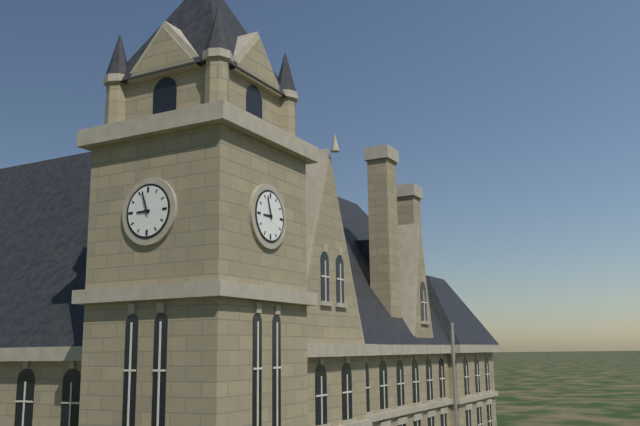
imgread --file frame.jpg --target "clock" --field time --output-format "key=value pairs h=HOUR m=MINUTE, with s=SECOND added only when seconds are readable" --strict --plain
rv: h=8 m=57
